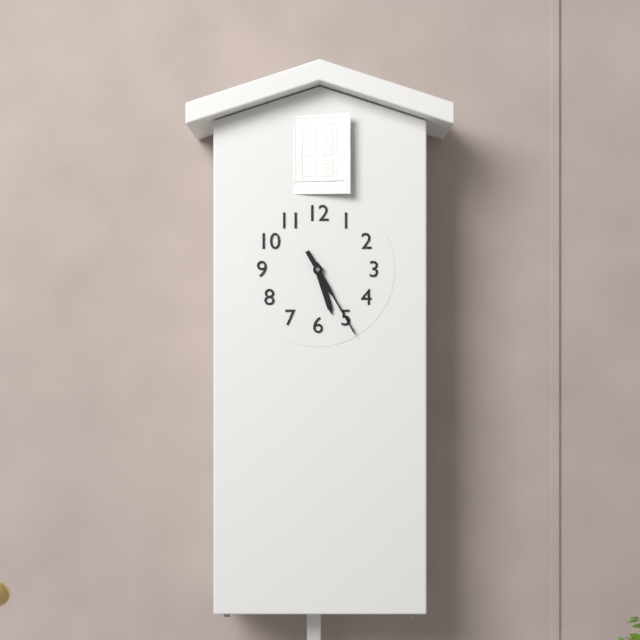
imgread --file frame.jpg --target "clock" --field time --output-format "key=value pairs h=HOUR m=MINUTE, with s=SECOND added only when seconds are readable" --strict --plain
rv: h=5 m=25
